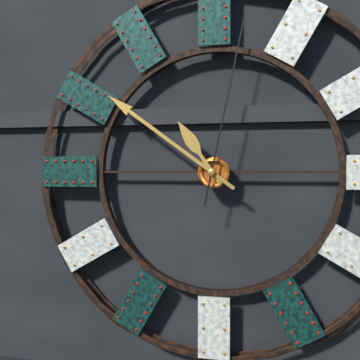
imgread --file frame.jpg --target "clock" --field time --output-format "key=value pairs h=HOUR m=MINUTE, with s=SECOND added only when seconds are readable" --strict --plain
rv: h=10 m=51 s=2
